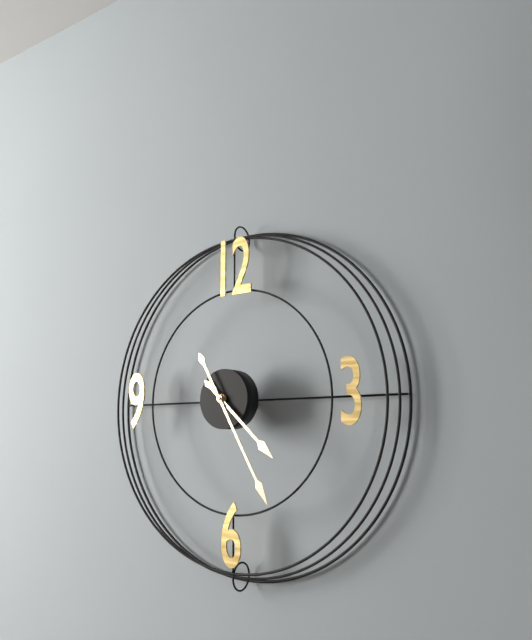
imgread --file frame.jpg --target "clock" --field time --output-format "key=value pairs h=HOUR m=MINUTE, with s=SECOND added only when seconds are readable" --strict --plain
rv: h=4 m=25
